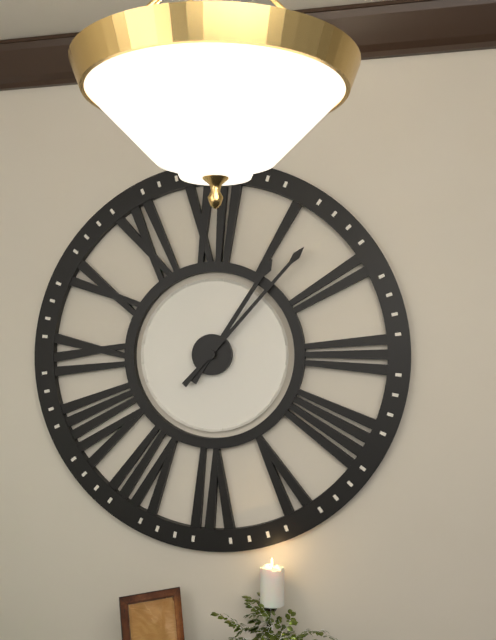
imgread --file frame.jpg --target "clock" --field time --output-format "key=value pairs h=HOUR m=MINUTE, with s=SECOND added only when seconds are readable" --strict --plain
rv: h=1 m=7
